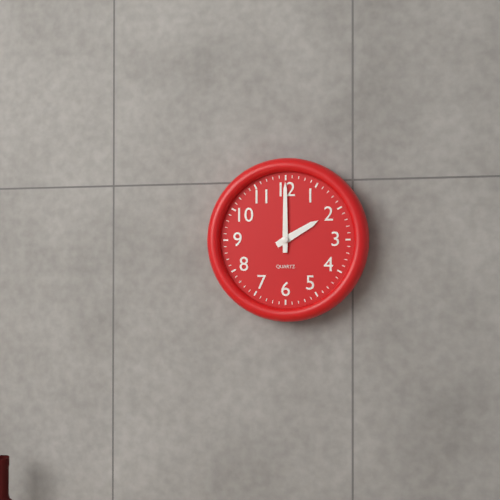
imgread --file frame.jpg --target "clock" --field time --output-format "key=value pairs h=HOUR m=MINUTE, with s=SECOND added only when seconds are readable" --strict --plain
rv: h=2 m=0
